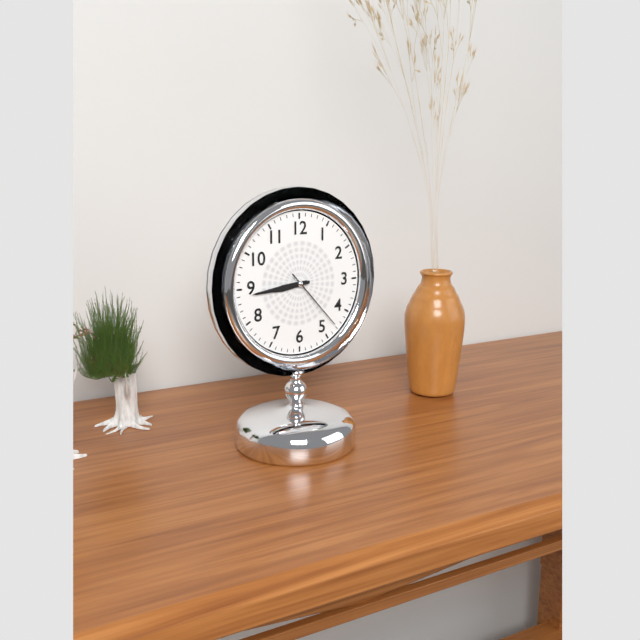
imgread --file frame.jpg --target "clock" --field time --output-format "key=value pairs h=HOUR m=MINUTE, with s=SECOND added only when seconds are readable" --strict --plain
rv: h=8 m=44 s=23
